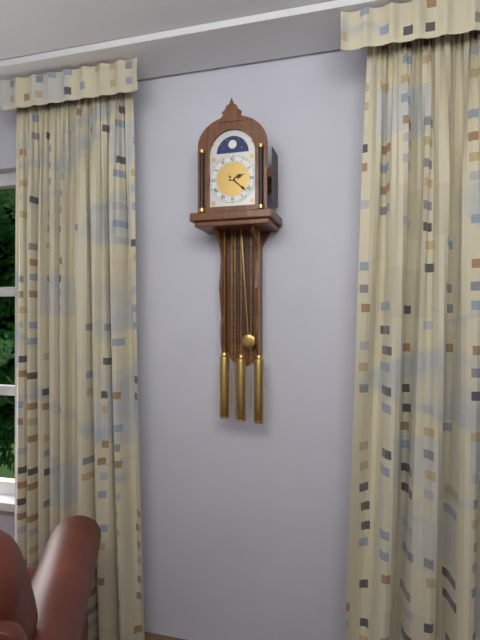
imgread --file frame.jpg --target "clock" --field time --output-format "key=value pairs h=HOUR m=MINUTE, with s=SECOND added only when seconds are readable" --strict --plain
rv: h=2 m=22
